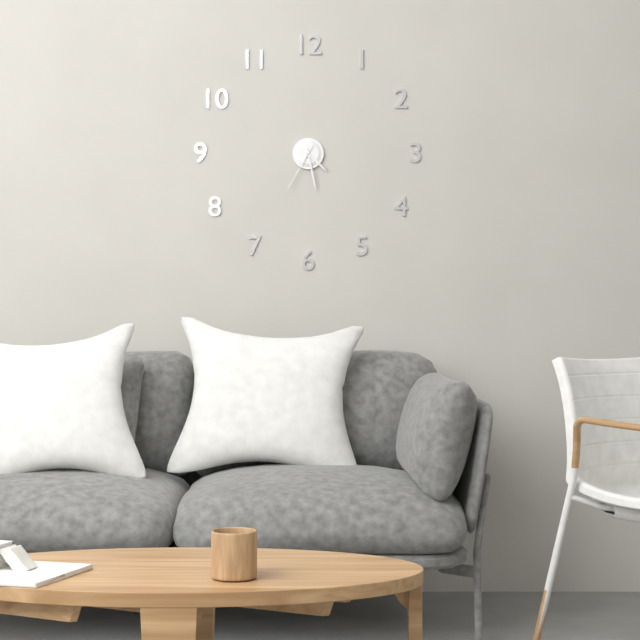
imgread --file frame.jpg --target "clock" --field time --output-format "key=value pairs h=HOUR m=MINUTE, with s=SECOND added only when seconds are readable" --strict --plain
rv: h=4 m=28 s=35
